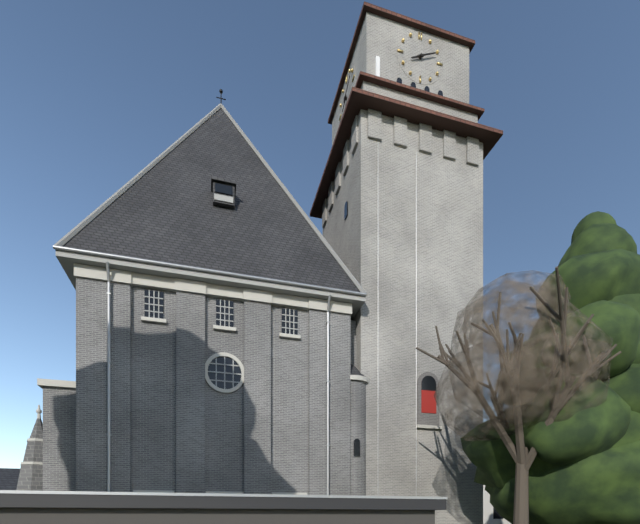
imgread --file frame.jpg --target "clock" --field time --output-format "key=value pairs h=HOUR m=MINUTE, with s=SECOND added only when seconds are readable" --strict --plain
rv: h=8 m=11
